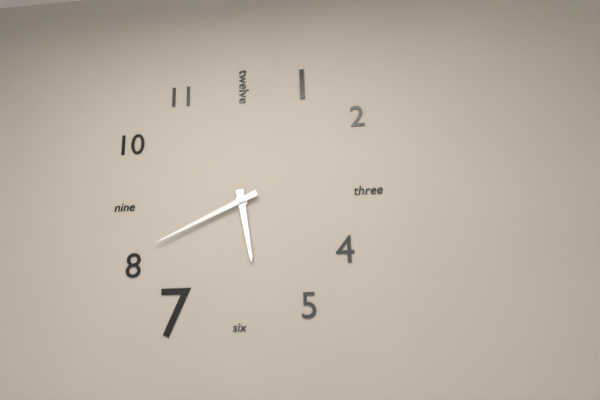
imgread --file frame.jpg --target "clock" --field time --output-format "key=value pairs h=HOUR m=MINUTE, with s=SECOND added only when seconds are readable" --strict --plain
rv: h=5 m=41
